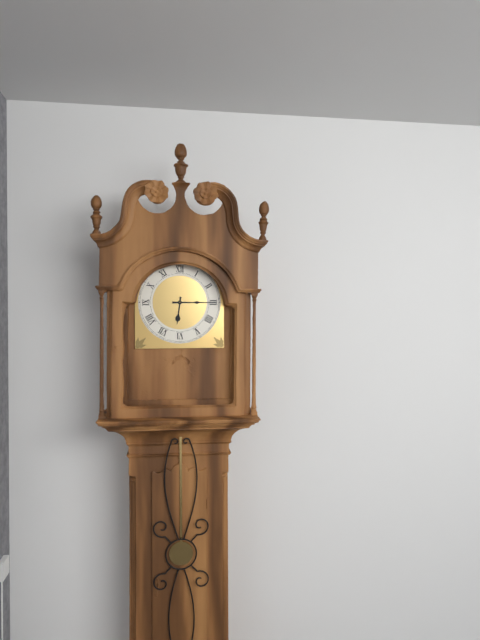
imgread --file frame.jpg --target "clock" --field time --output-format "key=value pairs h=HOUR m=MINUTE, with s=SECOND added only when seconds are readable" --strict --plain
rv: h=6 m=15
